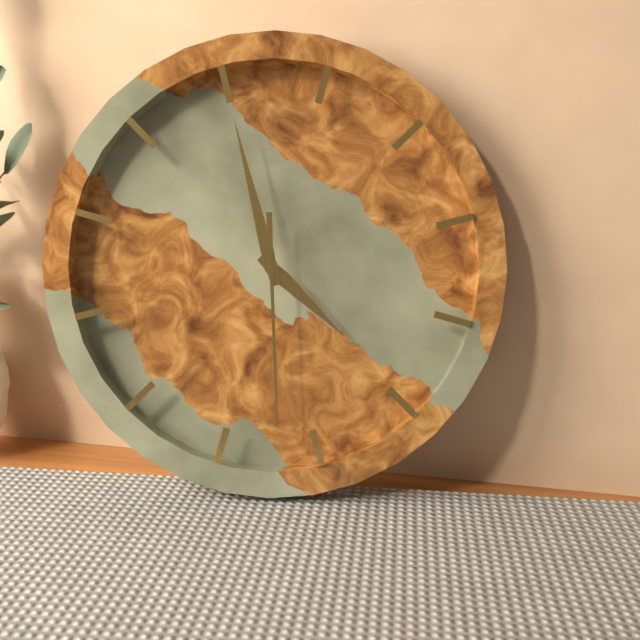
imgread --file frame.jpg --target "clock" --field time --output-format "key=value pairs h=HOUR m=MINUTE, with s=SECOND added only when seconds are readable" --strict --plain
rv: h=3 m=55 s=27
